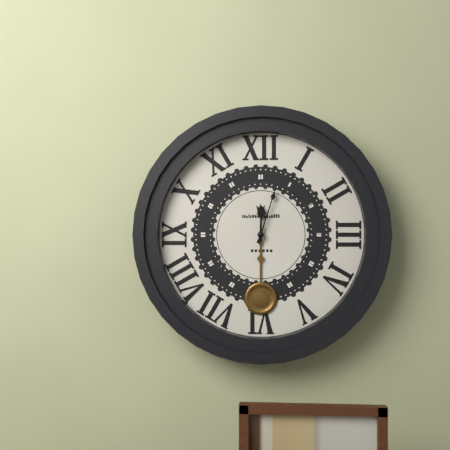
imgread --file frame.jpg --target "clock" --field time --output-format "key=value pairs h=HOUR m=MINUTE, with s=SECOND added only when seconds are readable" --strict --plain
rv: h=12 m=3
